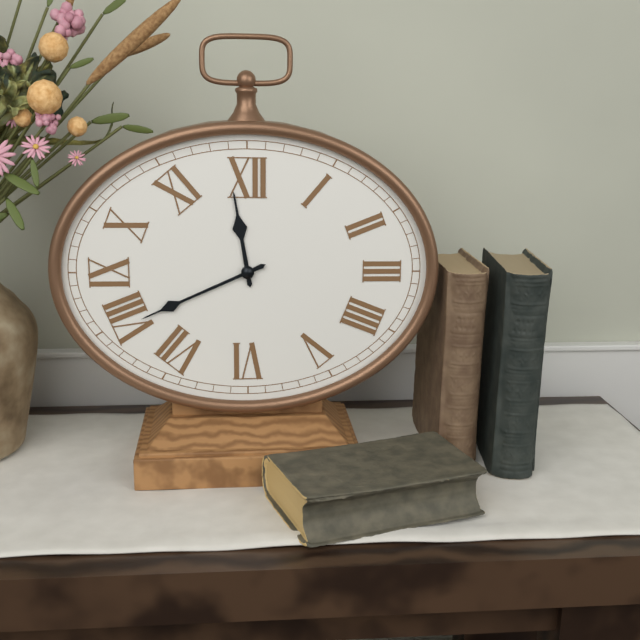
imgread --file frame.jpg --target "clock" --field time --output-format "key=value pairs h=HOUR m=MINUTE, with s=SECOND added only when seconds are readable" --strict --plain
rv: h=11 m=41
